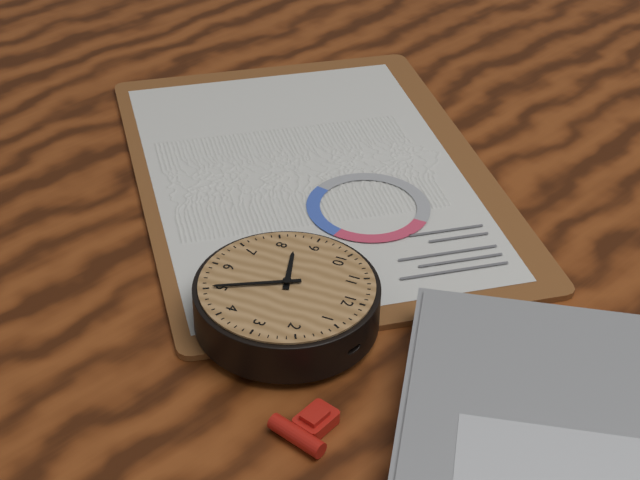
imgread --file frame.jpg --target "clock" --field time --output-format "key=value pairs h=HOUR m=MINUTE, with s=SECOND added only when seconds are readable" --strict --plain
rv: h=8 m=25
